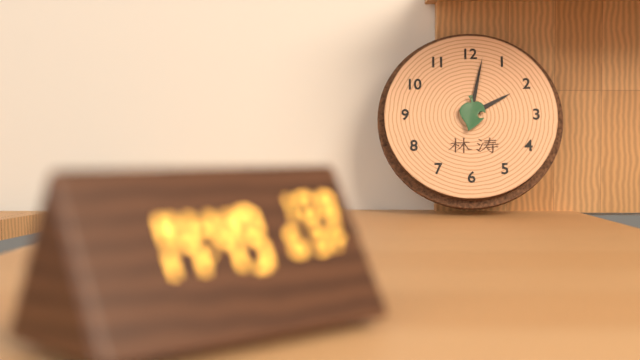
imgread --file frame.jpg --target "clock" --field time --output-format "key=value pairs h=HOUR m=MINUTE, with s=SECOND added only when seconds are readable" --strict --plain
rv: h=2 m=2
